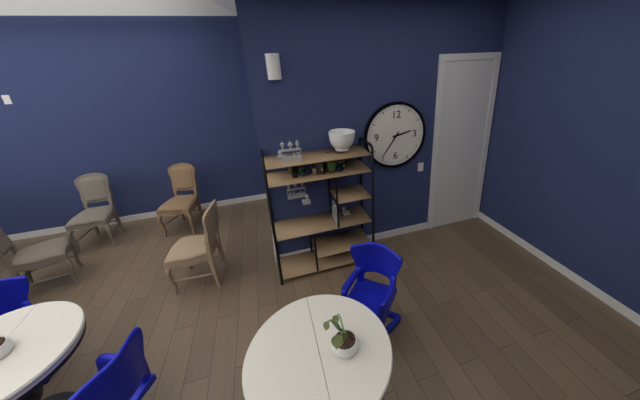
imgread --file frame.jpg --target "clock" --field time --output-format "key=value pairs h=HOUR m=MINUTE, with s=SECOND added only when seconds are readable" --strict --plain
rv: h=2 m=36
